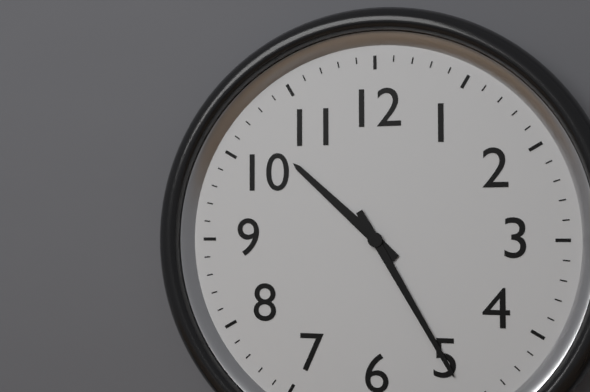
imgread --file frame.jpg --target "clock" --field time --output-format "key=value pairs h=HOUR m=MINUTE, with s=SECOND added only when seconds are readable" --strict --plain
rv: h=10 m=25
